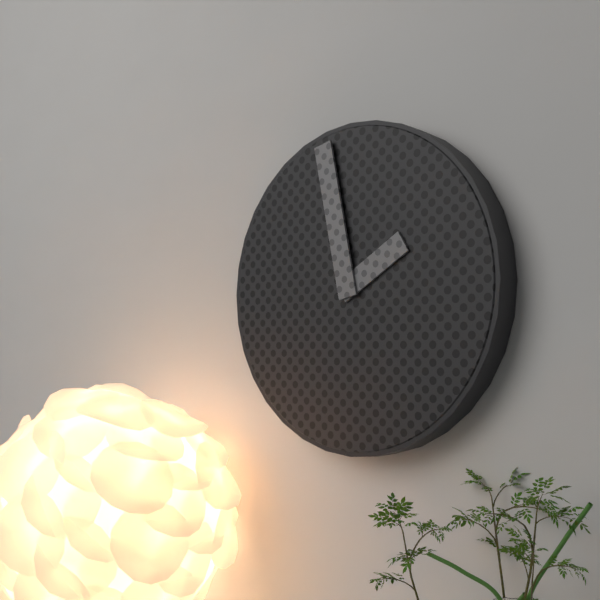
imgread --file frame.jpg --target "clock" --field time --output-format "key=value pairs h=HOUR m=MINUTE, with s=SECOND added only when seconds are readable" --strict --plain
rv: h=1 m=58
